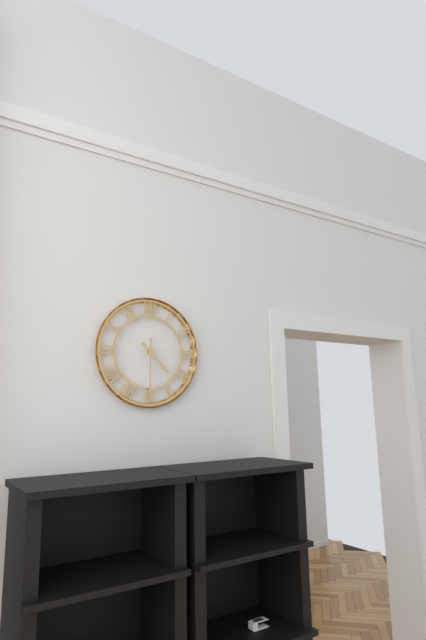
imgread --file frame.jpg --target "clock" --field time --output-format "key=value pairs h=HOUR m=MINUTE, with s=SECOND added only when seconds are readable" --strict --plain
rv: h=4 m=30
